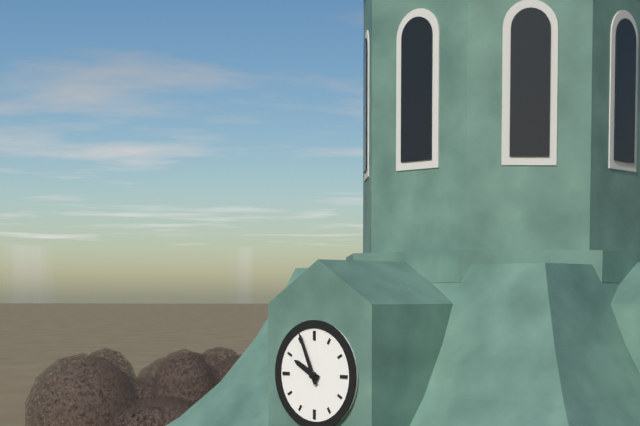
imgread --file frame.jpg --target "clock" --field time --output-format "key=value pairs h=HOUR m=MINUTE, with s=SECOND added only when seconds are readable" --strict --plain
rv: h=9 m=56
